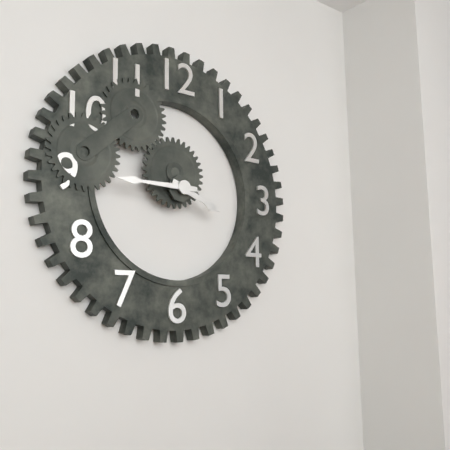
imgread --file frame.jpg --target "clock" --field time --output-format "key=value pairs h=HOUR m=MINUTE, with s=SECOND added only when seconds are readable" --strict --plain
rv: h=3 m=45
